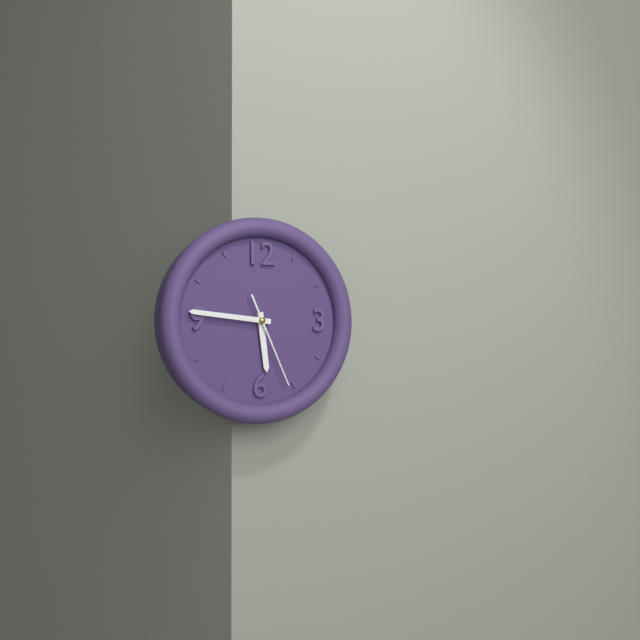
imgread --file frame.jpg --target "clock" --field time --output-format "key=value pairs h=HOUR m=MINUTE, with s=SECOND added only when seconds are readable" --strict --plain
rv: h=5 m=46 s=26
